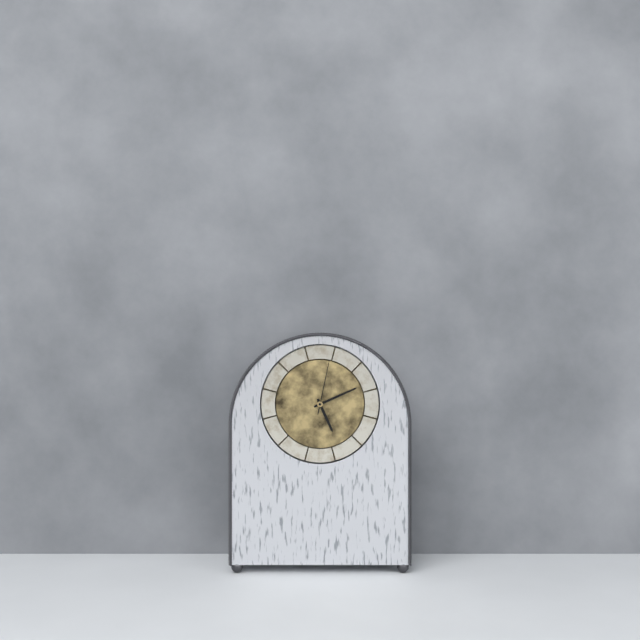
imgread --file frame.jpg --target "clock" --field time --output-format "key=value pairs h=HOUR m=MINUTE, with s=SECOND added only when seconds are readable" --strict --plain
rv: h=5 m=11 s=2
